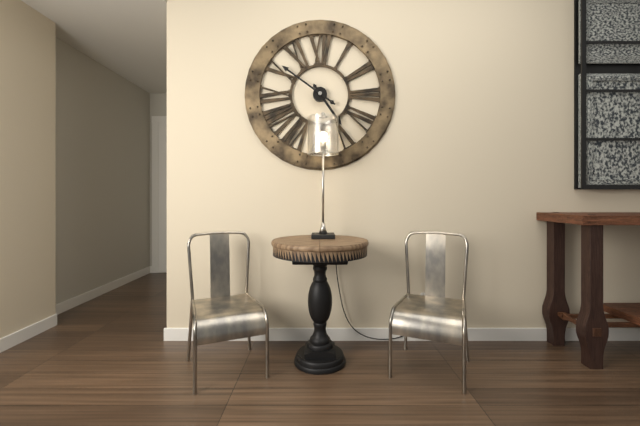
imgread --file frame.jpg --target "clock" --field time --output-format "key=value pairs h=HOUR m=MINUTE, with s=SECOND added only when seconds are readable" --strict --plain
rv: h=4 m=51
